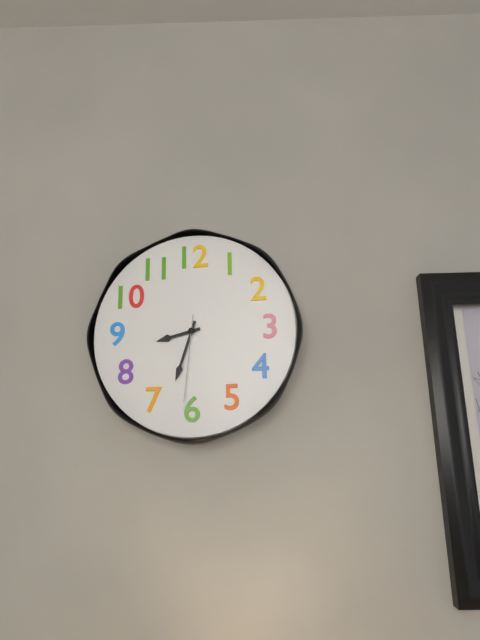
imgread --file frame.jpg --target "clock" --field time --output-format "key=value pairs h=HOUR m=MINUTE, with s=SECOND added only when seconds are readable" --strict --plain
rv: h=8 m=33 s=31
